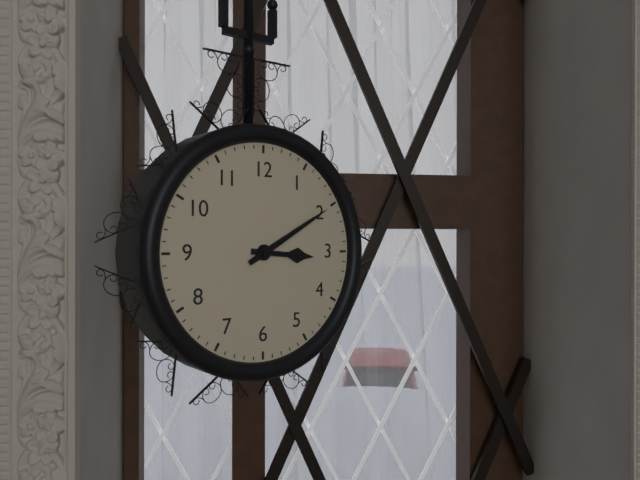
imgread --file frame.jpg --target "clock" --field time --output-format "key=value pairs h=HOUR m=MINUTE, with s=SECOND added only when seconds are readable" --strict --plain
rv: h=3 m=10
